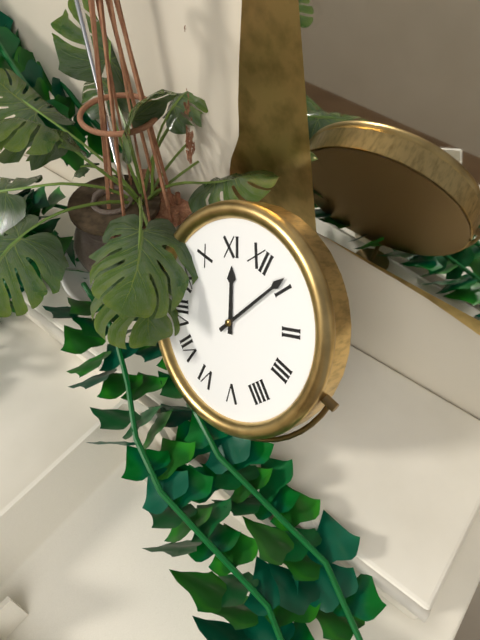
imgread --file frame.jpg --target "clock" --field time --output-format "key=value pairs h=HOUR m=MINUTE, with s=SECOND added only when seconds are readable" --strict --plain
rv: h=11 m=4
